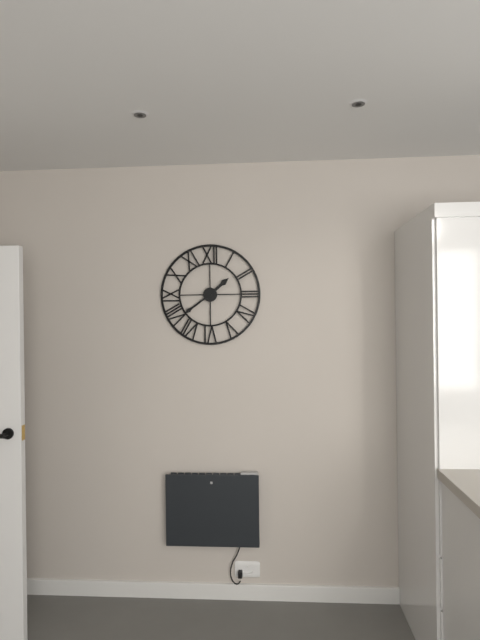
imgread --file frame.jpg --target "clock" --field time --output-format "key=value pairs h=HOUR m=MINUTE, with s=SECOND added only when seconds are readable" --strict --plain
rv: h=1 m=39
